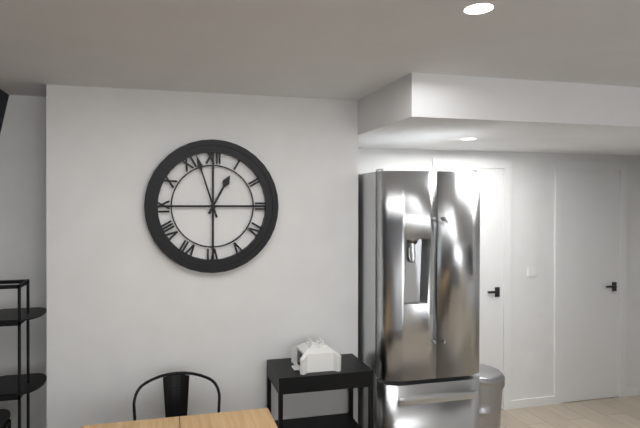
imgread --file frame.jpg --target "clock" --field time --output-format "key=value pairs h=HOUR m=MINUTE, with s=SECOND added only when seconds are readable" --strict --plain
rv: h=12 m=57
